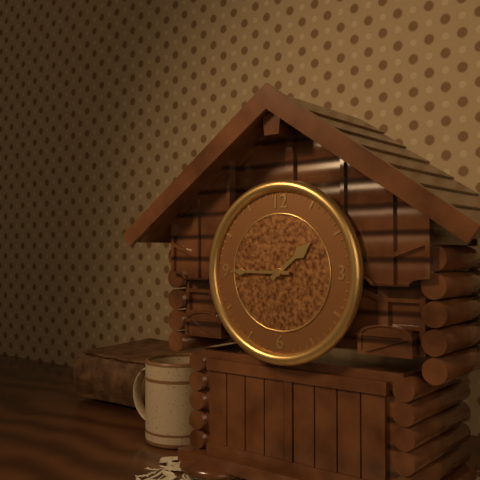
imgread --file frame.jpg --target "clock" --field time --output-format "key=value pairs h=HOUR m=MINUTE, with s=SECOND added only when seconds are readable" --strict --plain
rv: h=1 m=45
